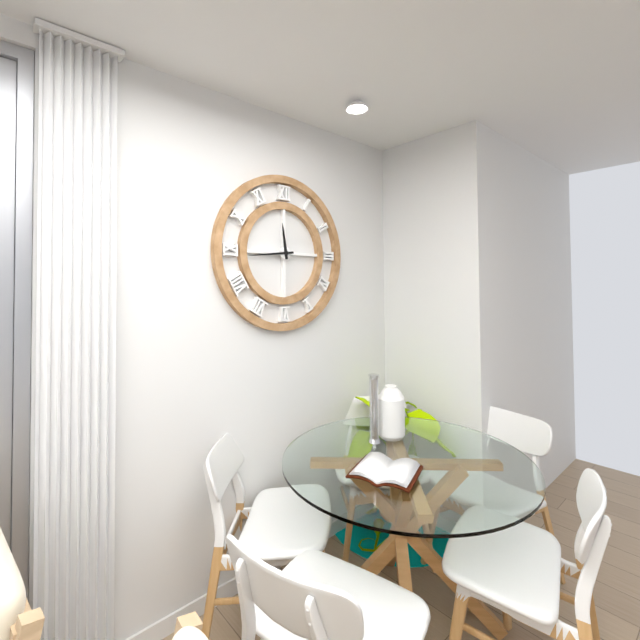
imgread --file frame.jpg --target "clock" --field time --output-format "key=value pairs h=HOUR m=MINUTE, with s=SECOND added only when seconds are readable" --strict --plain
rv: h=11 m=44
